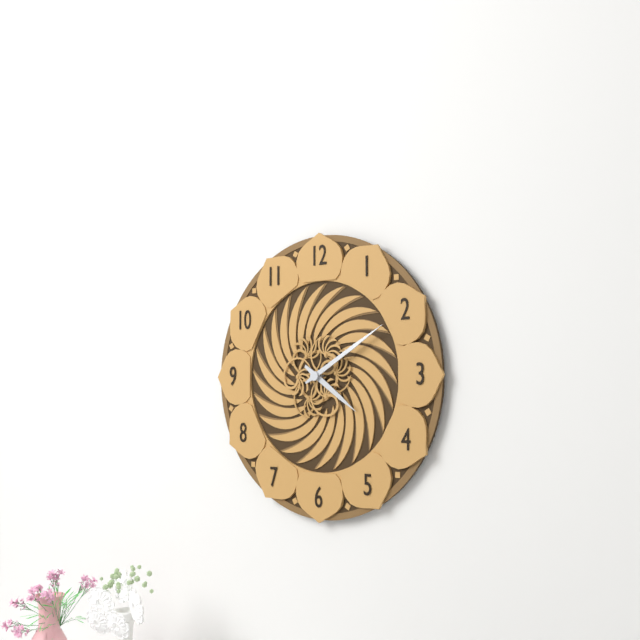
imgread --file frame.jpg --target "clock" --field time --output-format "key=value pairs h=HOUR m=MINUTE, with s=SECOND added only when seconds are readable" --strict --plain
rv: h=4 m=10
